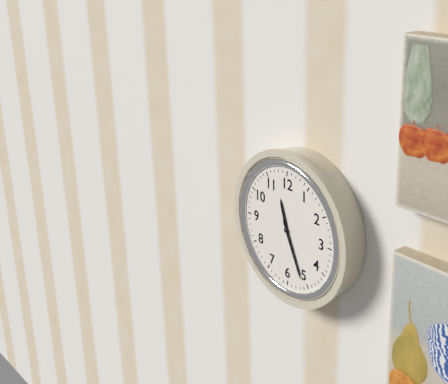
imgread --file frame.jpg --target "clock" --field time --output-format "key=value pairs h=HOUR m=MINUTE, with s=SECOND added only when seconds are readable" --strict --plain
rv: h=11 m=26
